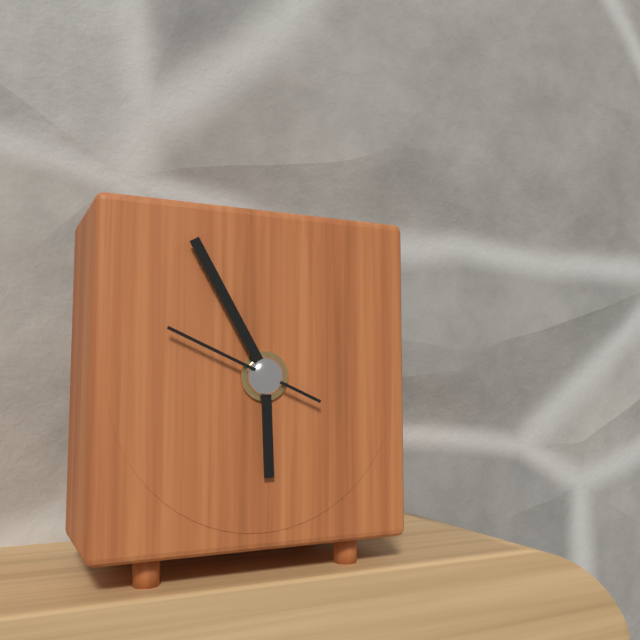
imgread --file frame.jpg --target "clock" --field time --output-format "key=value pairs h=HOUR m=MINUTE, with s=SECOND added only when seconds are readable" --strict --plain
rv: h=5 m=55 s=49
